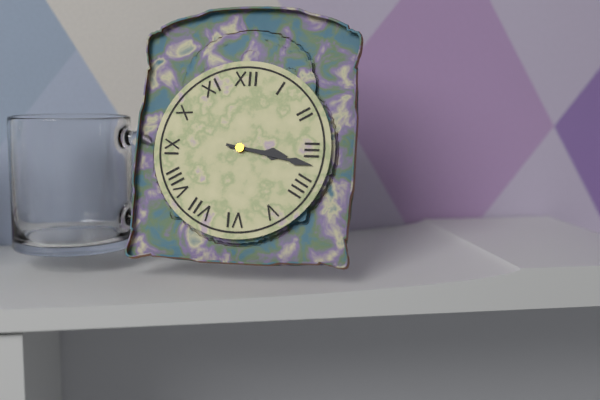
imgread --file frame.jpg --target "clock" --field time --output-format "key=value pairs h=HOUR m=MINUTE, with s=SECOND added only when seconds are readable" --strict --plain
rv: h=3 m=17
